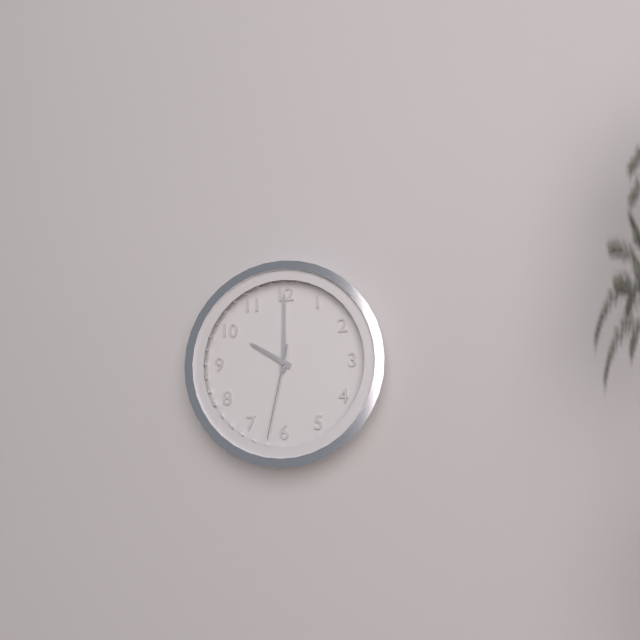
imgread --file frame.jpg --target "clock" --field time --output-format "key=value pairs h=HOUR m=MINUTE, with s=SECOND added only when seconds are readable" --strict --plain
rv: h=10 m=0 s=32
